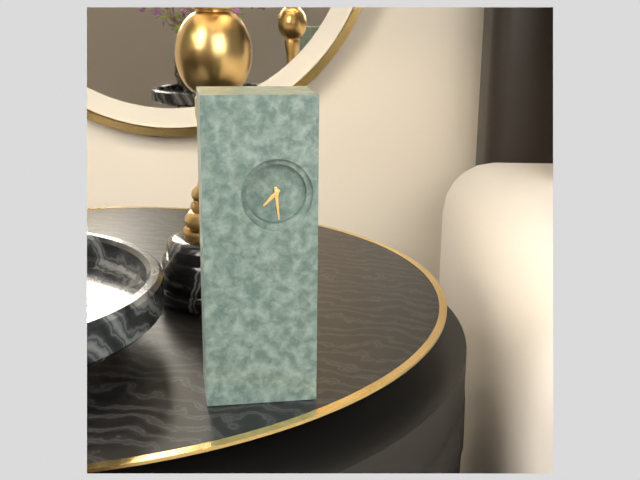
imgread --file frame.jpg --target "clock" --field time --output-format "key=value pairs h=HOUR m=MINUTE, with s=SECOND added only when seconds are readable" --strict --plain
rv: h=7 m=29
